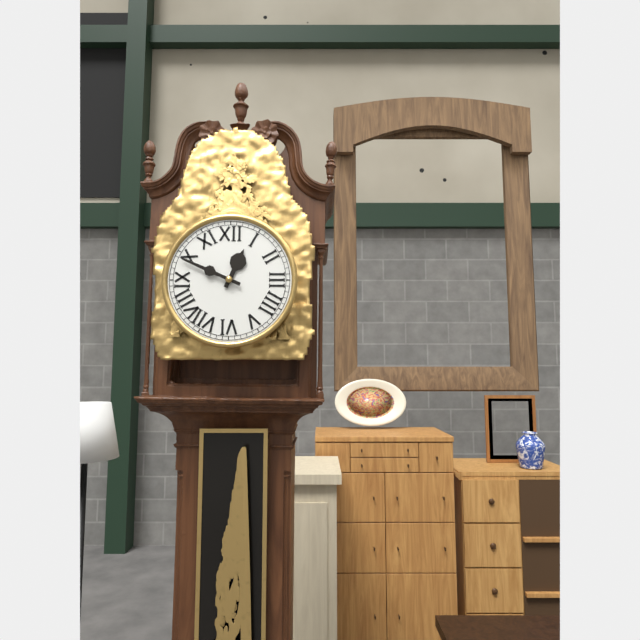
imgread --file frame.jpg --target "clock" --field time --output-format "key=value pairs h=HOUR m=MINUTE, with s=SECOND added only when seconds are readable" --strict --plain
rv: h=12 m=49
